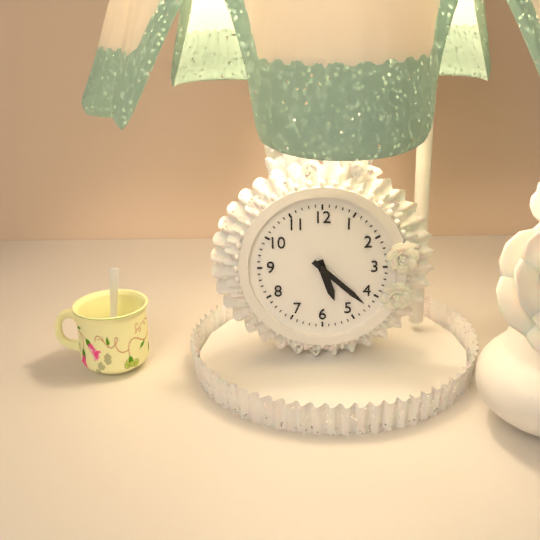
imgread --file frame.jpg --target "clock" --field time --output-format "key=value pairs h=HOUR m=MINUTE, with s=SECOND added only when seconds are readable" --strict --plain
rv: h=5 m=22
